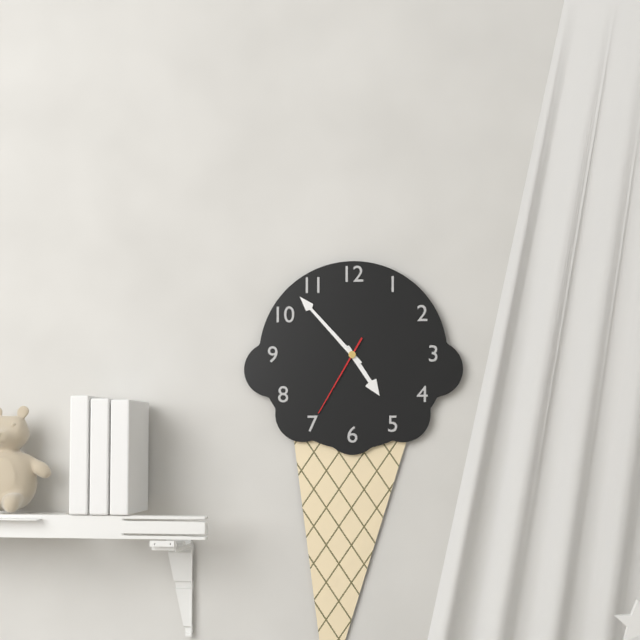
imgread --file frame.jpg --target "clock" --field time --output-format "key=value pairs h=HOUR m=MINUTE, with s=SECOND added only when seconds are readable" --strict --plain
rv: h=4 m=53 s=35
